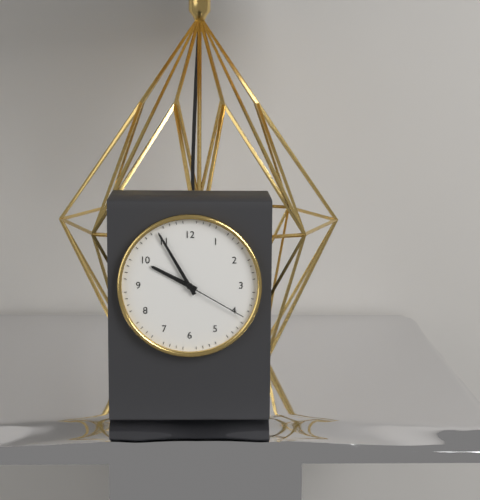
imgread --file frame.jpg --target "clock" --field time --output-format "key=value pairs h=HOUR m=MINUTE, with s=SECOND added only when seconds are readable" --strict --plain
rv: h=9 m=55 s=20
